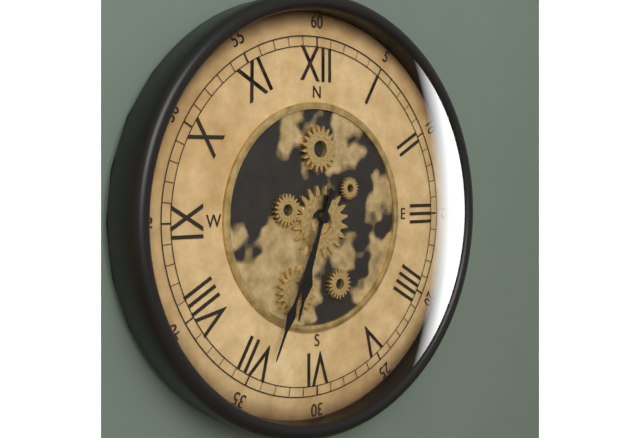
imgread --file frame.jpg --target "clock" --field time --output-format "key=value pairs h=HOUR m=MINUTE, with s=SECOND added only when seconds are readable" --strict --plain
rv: h=6 m=34
